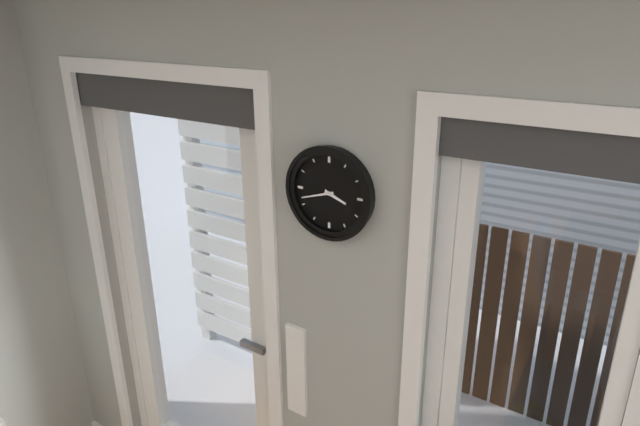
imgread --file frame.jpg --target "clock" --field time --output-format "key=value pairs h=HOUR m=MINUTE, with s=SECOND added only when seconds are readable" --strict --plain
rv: h=3 m=42
